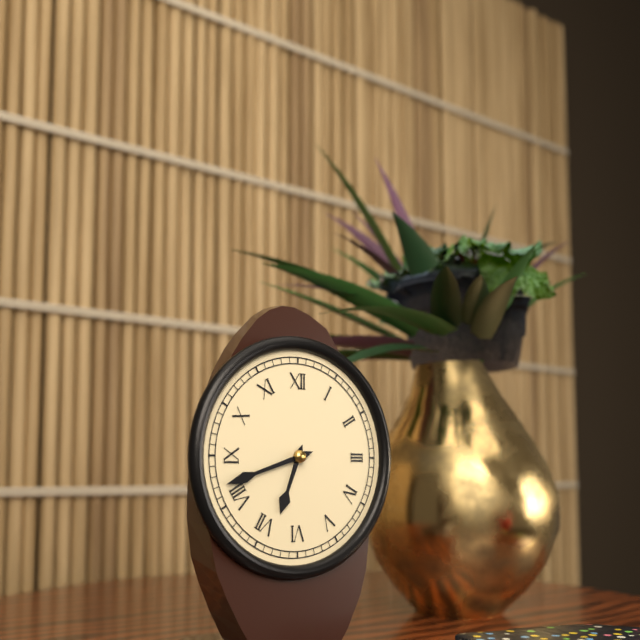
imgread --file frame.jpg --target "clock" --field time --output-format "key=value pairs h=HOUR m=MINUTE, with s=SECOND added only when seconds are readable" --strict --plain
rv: h=6 m=42
